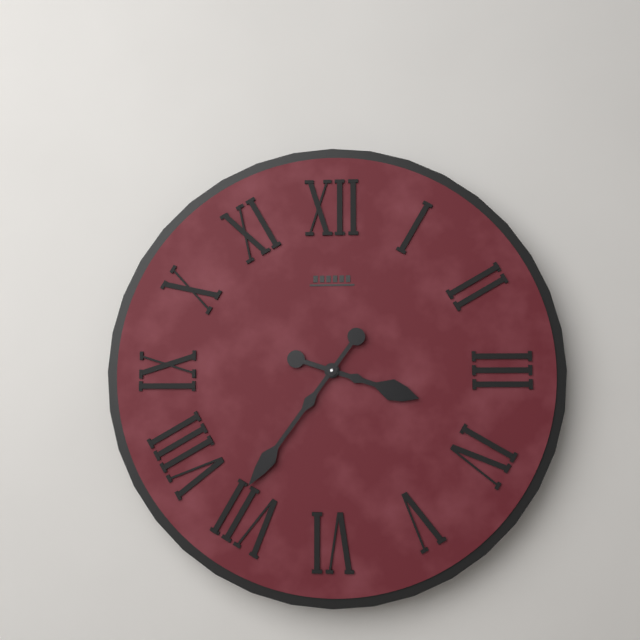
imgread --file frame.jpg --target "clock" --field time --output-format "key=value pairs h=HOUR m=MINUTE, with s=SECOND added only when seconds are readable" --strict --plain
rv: h=3 m=36
